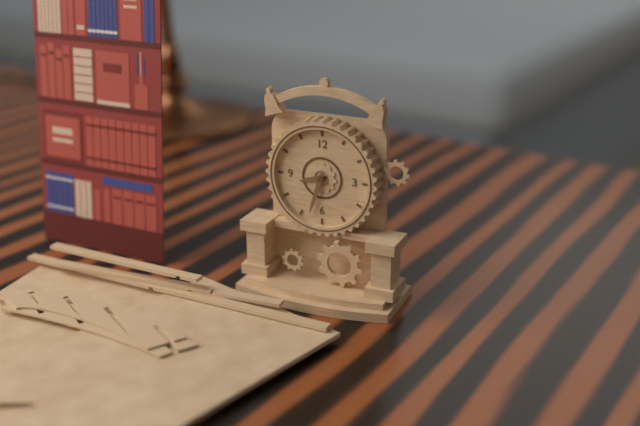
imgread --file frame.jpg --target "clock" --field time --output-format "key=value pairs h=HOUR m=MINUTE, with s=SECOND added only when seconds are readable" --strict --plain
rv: h=8 m=33
